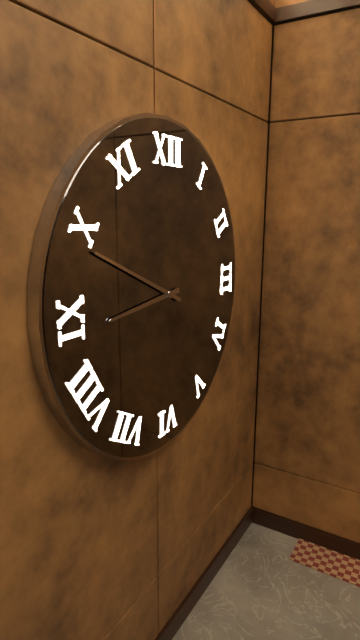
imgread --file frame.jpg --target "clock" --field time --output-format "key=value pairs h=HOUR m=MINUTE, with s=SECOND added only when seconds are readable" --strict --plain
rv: h=8 m=49
